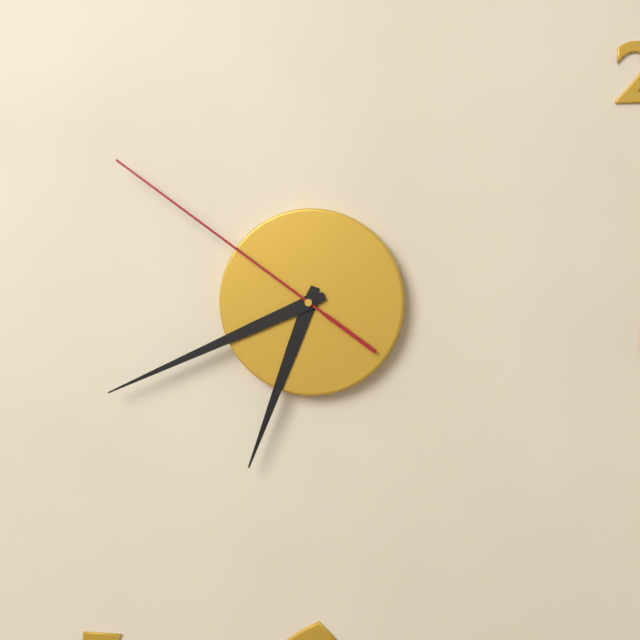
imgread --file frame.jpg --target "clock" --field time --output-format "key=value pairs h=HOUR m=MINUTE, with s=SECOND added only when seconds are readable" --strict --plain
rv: h=6 m=41 s=51
